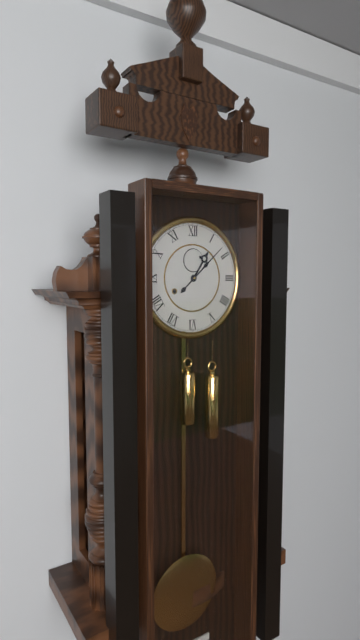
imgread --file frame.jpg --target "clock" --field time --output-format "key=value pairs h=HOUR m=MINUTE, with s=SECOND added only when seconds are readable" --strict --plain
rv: h=1 m=8
